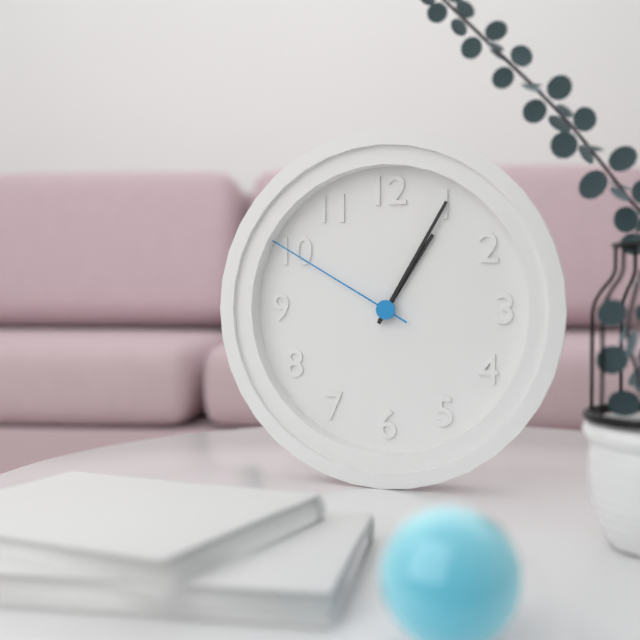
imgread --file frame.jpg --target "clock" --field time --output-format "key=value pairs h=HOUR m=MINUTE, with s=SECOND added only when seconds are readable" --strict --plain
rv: h=1 m=5 s=50
